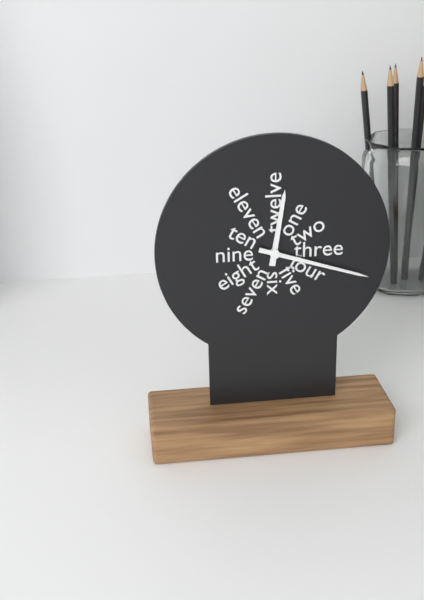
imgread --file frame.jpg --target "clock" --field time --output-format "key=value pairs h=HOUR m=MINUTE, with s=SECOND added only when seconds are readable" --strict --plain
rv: h=12 m=18
